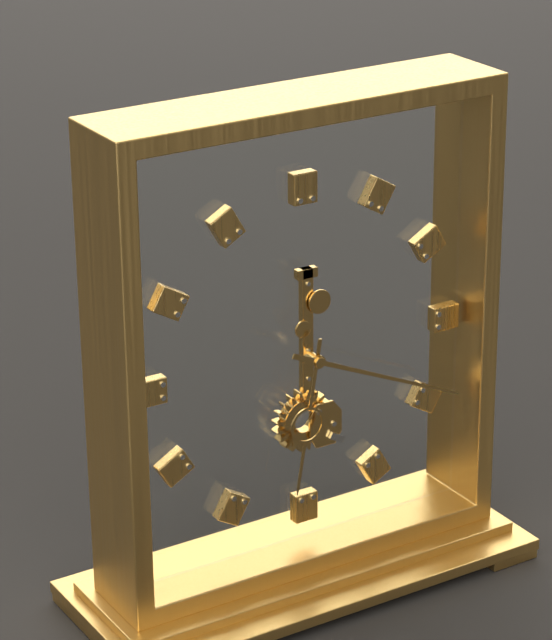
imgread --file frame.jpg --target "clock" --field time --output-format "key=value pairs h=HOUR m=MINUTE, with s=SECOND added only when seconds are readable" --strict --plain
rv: h=6 m=19
